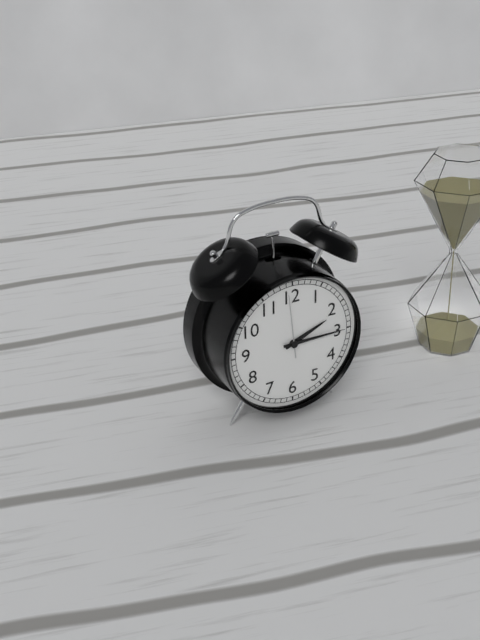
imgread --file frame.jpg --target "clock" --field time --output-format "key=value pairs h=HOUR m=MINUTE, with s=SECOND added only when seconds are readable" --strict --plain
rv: h=2 m=15 s=59
